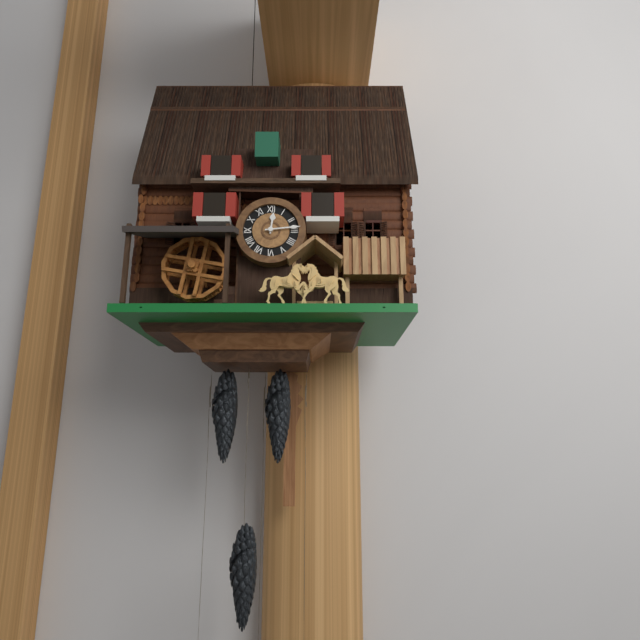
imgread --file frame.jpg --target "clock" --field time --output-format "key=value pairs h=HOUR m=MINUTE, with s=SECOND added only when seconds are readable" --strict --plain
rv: h=12 m=14
